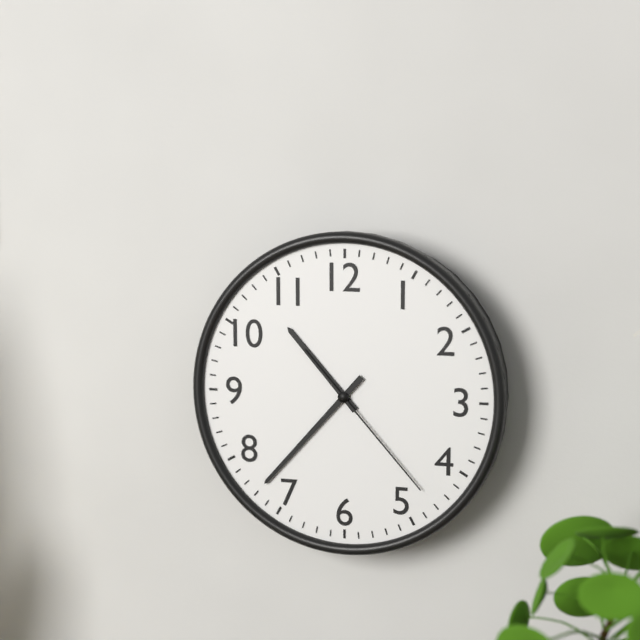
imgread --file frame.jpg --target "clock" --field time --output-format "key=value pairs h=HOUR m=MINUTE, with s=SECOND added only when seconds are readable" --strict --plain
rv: h=10 m=37 s=23
